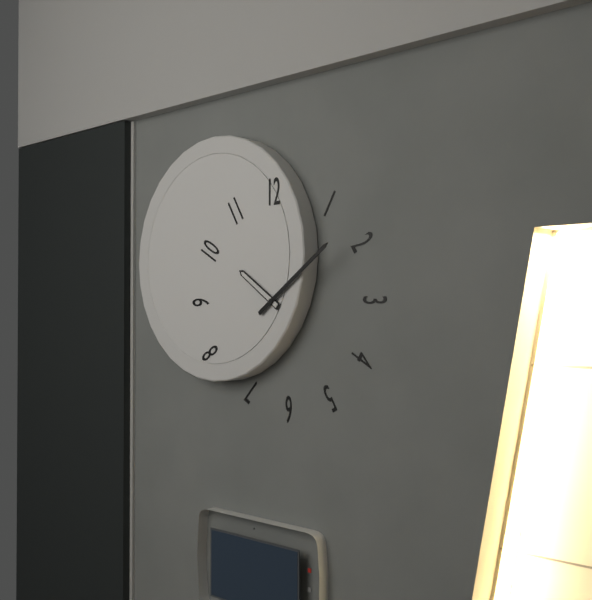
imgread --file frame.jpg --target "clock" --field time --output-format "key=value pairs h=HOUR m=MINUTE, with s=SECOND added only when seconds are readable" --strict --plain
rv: h=10 m=9
